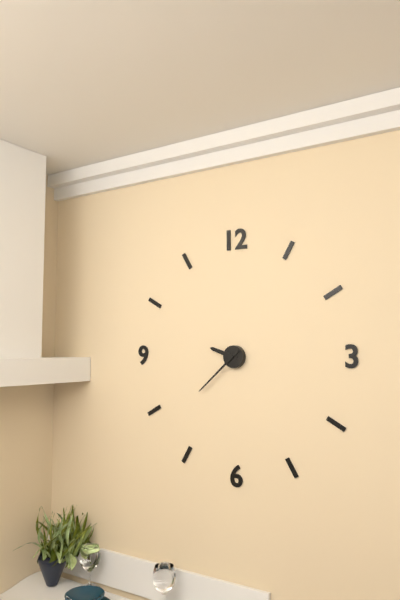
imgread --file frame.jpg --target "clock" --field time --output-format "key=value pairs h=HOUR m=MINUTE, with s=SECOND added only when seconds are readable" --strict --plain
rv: h=9 m=38
